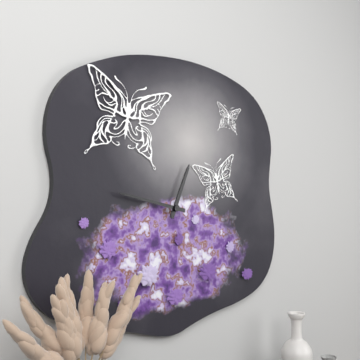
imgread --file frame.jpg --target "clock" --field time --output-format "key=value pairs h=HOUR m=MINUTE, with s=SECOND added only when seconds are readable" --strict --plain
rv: h=12 m=47
